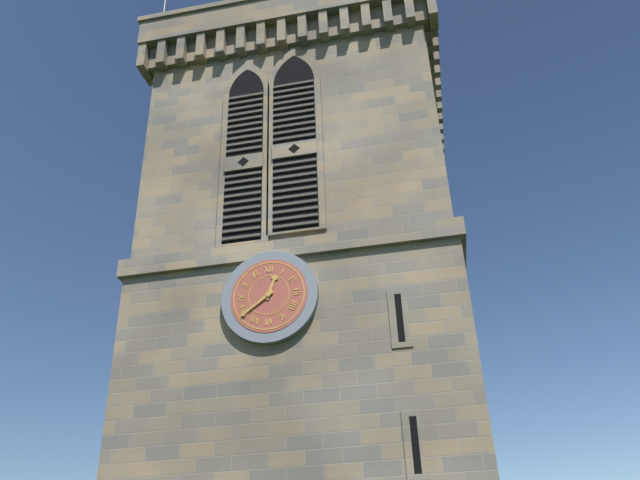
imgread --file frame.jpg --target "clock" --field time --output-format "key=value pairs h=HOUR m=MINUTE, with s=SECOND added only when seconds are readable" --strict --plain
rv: h=12 m=39
